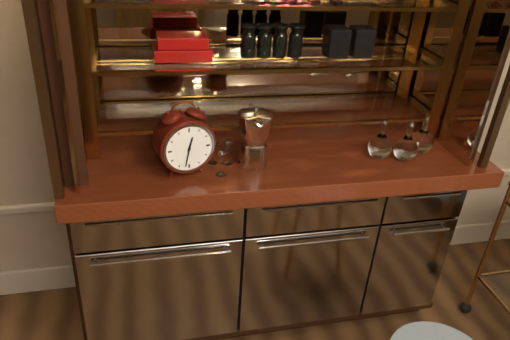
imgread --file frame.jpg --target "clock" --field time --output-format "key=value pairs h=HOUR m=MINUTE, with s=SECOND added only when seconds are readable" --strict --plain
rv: h=12 m=32
